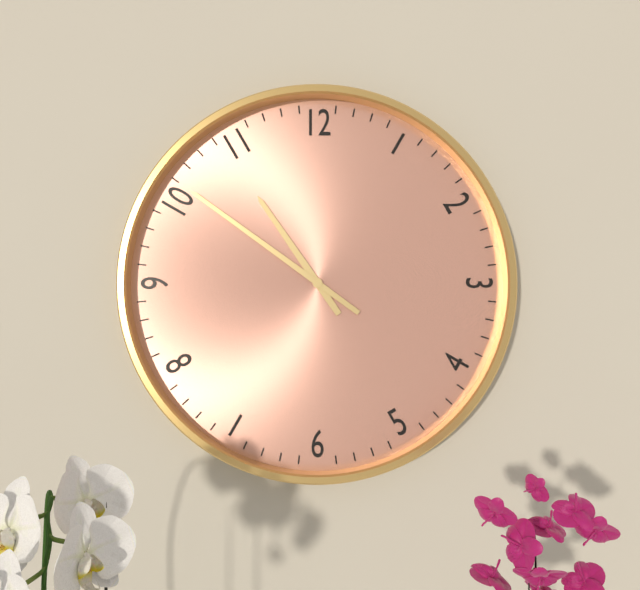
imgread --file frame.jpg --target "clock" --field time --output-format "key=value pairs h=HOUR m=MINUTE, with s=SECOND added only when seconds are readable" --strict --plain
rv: h=10 m=51
